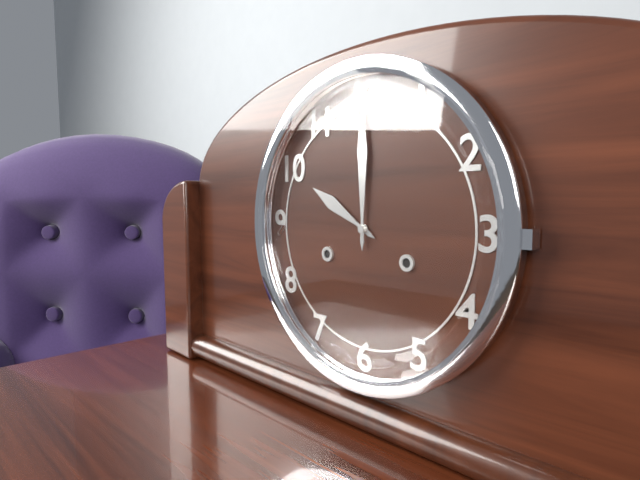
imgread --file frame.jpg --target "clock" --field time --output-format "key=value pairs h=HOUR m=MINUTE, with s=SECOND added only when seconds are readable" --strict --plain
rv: h=10 m=0
